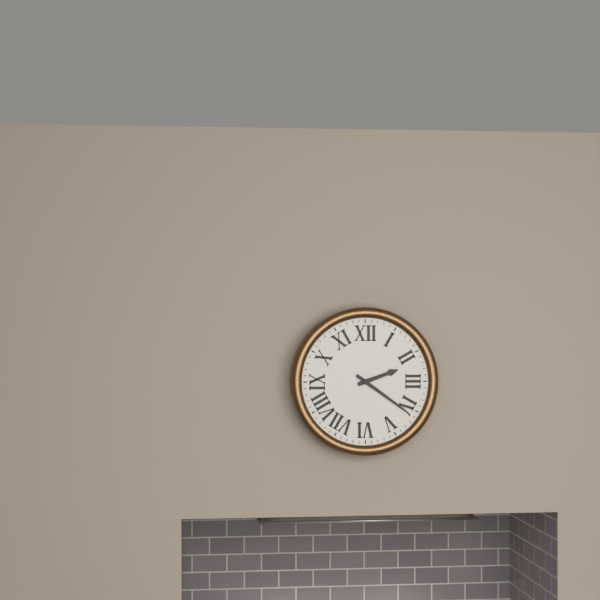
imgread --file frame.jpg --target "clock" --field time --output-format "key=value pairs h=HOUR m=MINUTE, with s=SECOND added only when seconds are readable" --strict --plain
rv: h=2 m=21
